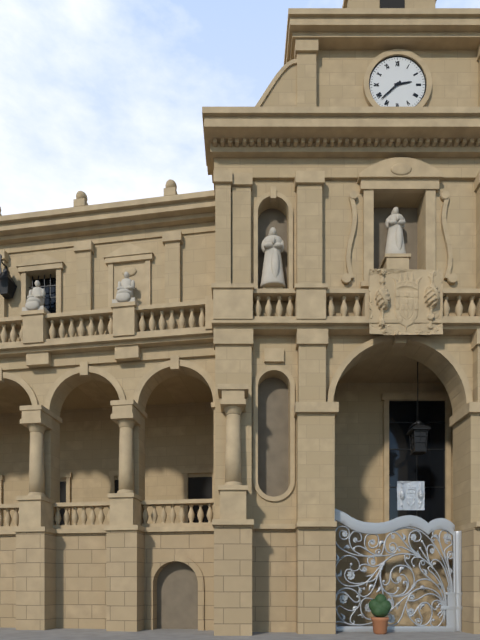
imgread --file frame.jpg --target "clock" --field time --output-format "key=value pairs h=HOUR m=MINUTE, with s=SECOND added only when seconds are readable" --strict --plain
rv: h=2 m=38
